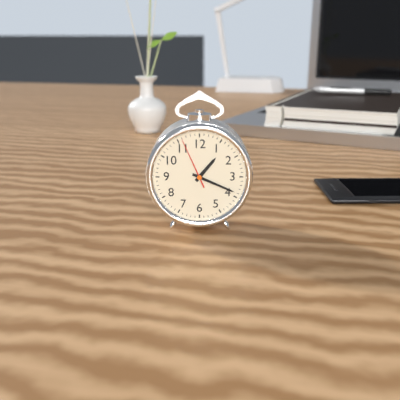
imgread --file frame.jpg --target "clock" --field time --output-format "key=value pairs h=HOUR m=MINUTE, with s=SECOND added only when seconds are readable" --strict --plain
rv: h=1 m=19 s=56
